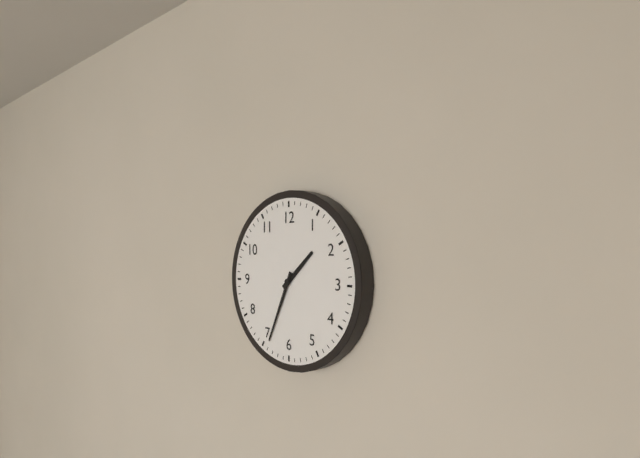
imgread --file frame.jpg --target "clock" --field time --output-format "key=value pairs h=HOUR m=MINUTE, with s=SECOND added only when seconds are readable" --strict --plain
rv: h=1 m=34
